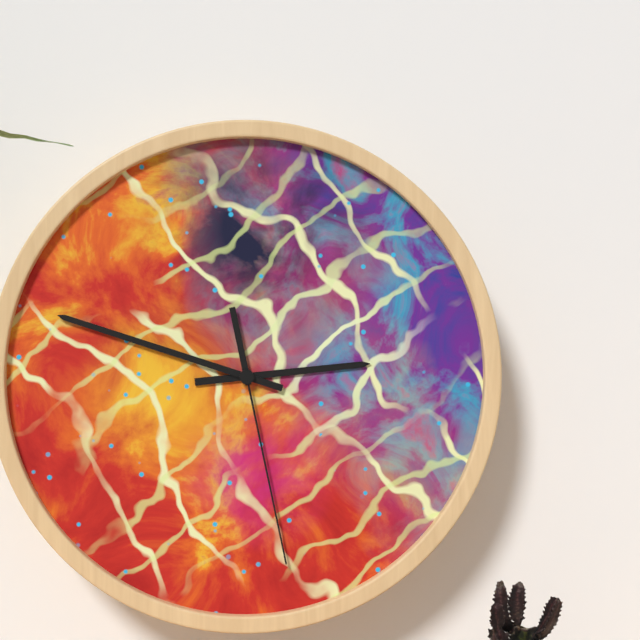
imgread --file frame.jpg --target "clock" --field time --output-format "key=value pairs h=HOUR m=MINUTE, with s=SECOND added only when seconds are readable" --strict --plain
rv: h=2 m=48 s=28
